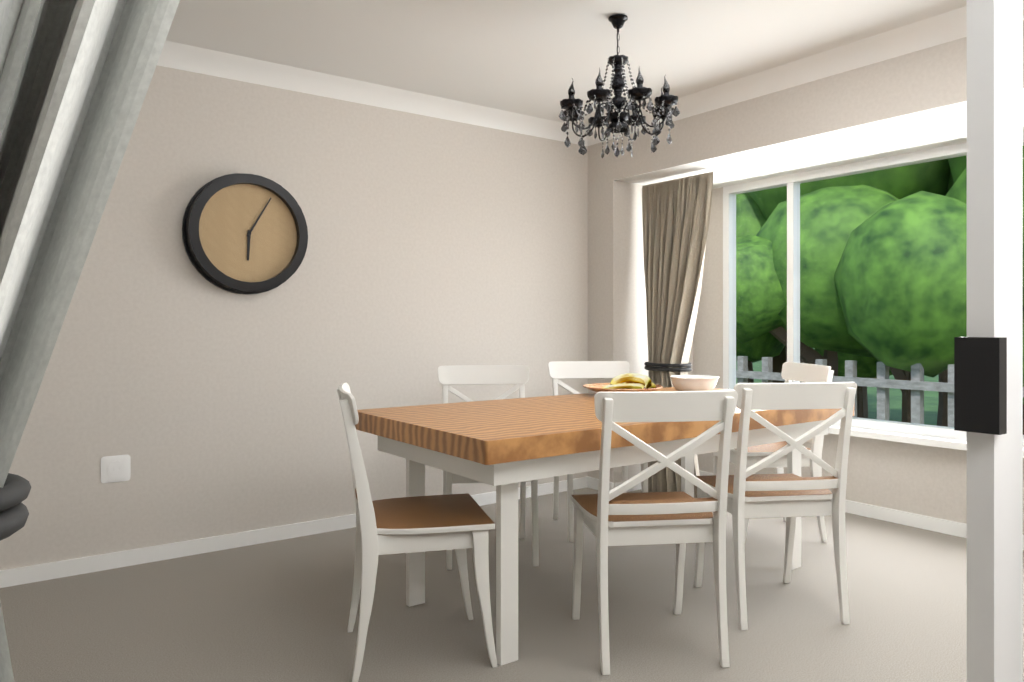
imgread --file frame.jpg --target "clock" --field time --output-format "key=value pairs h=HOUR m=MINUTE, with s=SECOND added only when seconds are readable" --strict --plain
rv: h=6 m=5
